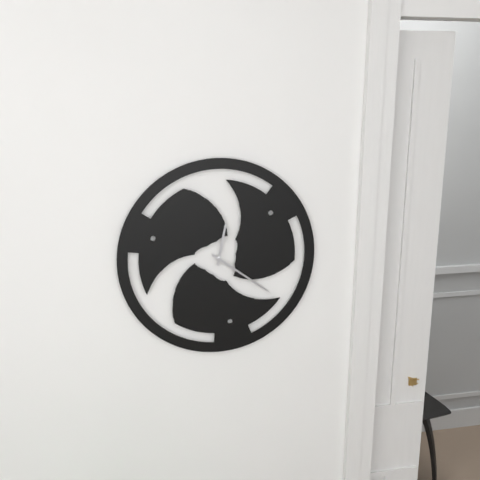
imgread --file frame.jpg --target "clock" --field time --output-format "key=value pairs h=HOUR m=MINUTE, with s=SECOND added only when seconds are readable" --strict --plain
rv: h=12 m=21
